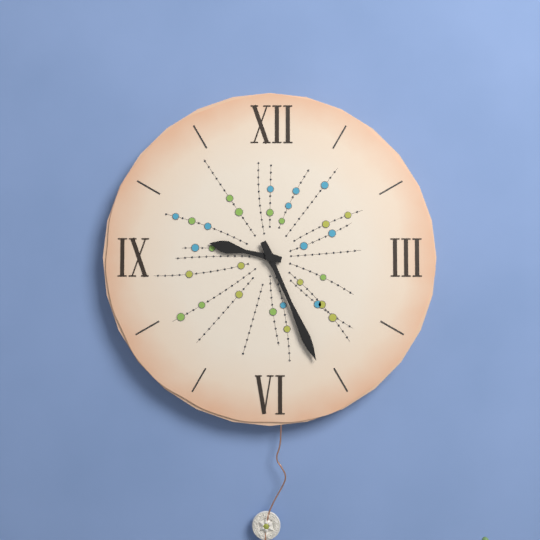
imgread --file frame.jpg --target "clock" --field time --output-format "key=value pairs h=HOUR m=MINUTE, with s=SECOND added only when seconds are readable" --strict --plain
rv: h=9 m=26
